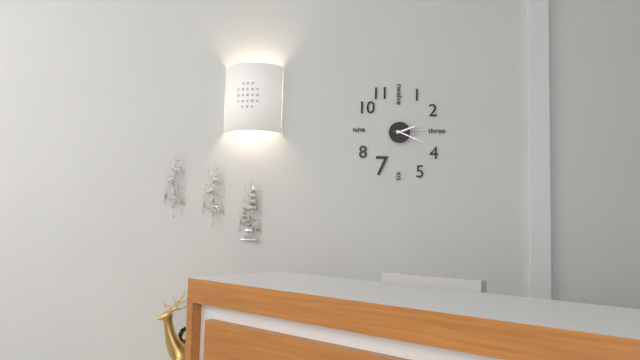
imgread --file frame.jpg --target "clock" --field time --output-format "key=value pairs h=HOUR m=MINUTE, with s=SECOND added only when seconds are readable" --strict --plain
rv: h=2 m=19
